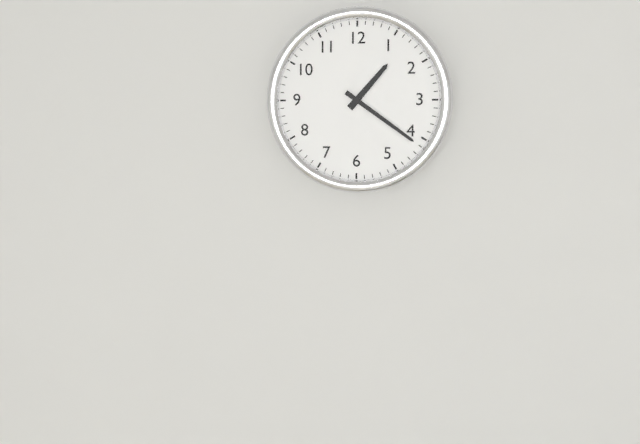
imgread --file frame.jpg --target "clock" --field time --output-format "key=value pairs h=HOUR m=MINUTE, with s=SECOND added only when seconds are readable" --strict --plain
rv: h=1 m=21
